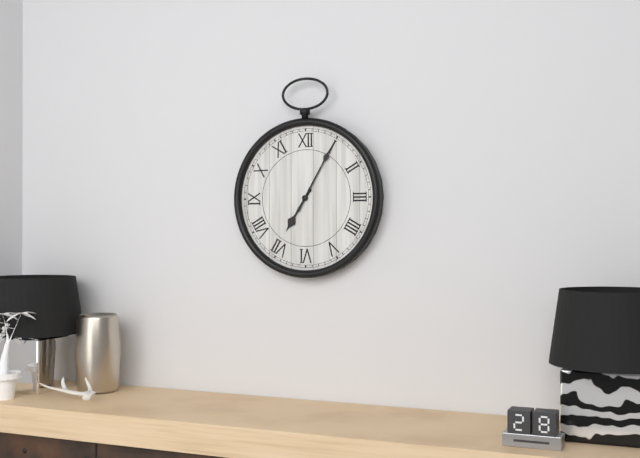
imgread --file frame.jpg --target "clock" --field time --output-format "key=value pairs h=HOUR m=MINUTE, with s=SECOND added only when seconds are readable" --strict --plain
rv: h=7 m=5
